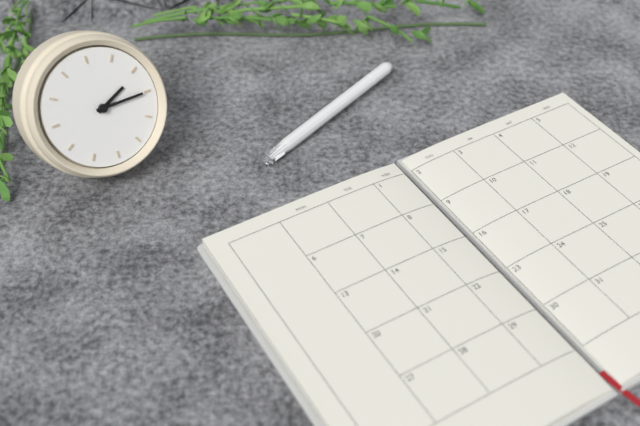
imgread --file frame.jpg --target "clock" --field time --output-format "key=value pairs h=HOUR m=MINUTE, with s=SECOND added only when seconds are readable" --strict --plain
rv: h=1 m=10
